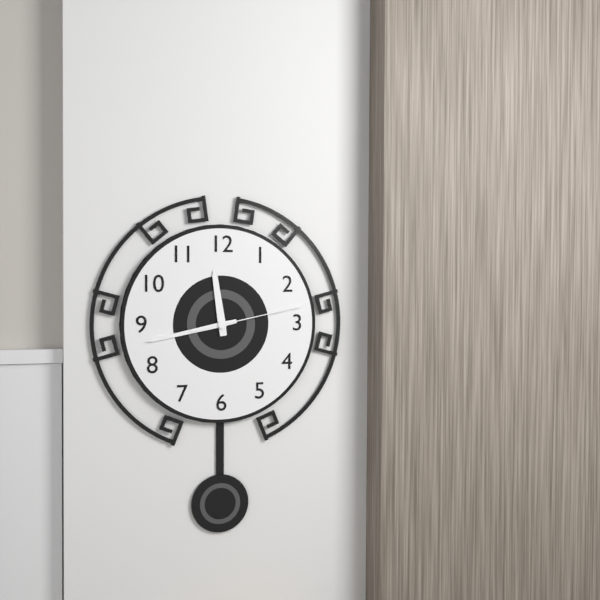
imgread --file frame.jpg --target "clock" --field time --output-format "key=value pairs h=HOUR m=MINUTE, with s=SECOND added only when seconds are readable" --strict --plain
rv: h=11 m=43 s=13
